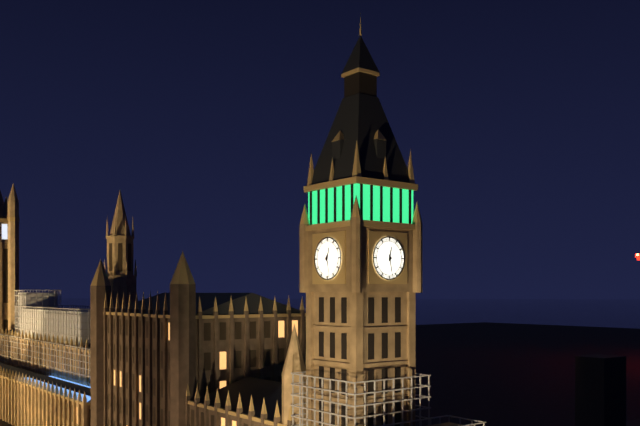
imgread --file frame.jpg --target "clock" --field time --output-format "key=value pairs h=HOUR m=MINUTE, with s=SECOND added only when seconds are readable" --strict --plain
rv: h=12 m=28
